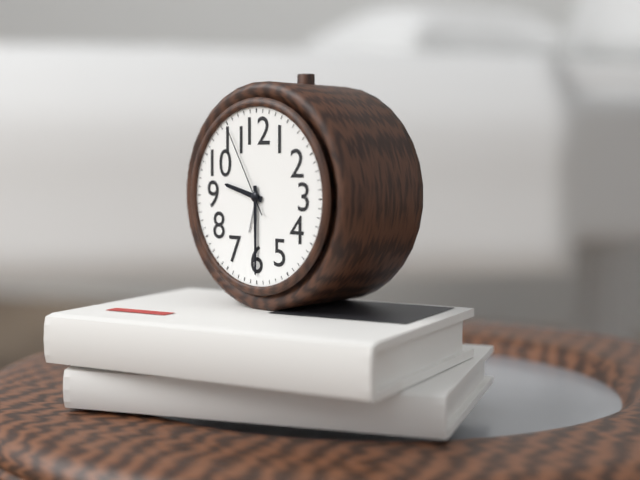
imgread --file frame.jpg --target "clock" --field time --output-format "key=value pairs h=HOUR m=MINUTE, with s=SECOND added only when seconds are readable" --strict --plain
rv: h=9 m=30 s=55
